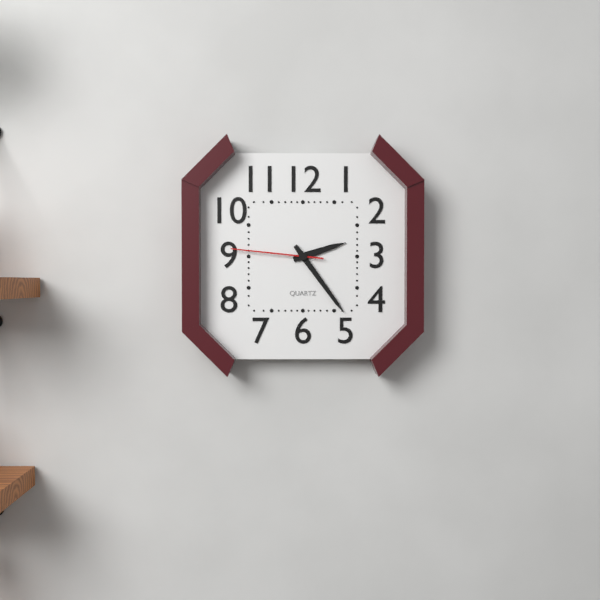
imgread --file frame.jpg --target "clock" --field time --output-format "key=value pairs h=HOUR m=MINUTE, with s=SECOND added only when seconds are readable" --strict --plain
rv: h=2 m=24 s=46
